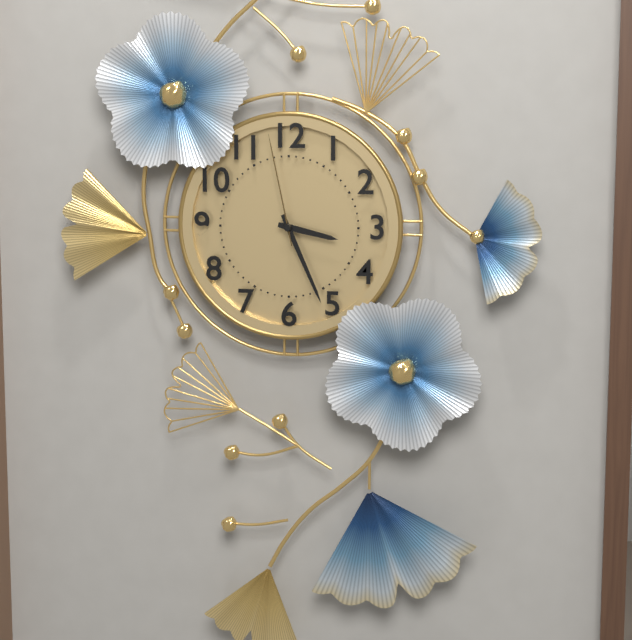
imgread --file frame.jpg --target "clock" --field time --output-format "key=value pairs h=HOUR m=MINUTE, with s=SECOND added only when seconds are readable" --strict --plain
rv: h=3 m=26 s=58
